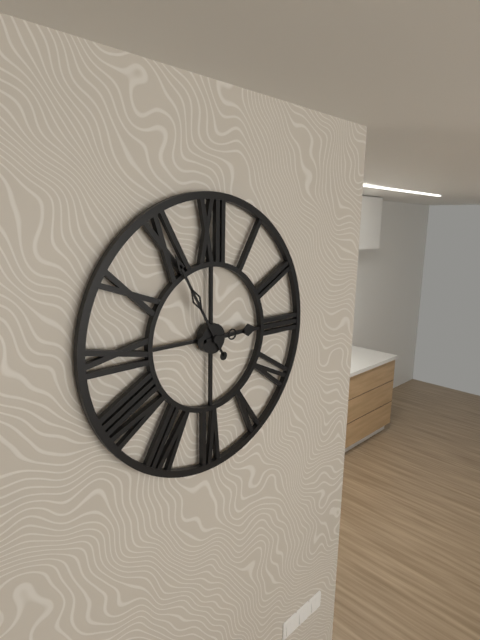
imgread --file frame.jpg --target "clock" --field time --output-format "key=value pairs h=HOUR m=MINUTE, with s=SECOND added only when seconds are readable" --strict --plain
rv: h=2 m=55
